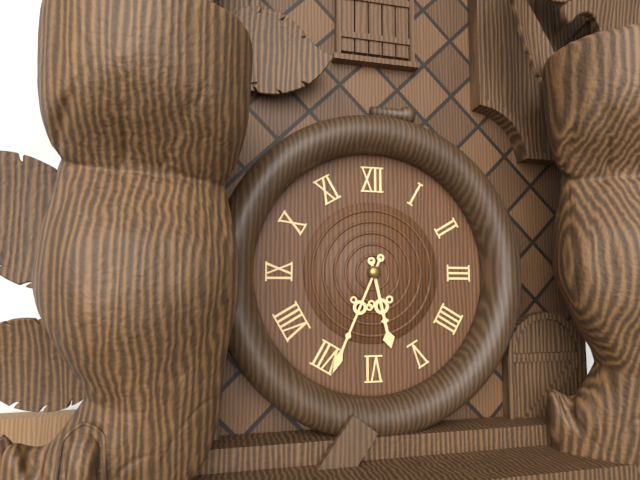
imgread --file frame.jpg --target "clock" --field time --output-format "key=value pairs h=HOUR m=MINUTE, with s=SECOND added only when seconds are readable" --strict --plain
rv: h=5 m=34
